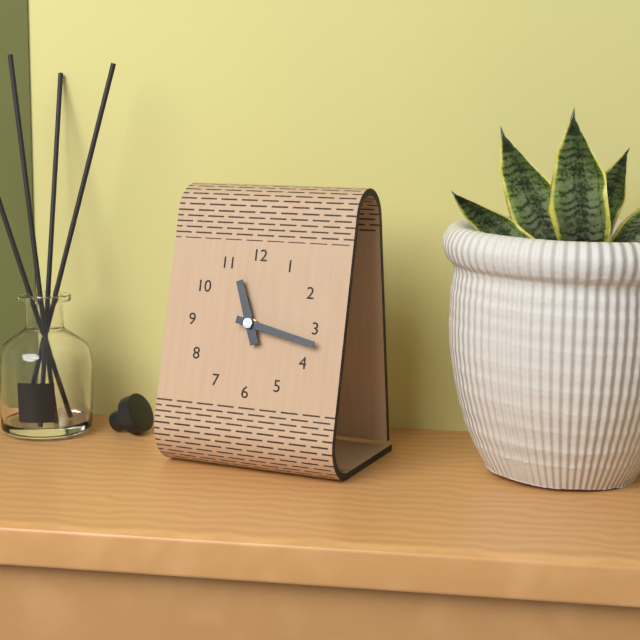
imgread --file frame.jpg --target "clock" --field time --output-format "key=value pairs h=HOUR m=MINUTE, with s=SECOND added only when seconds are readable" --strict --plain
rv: h=11 m=17
